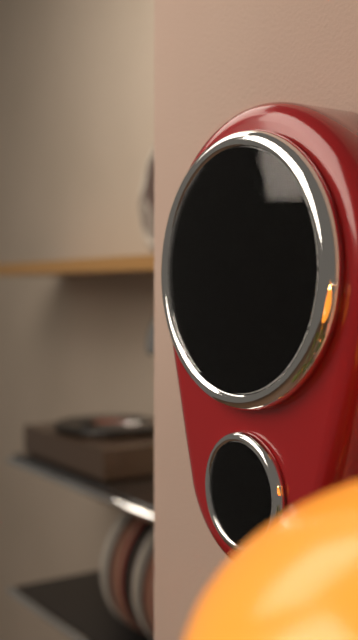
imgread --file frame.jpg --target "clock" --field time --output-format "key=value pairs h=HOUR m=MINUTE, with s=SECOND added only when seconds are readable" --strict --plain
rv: h=6 m=59 s=59
